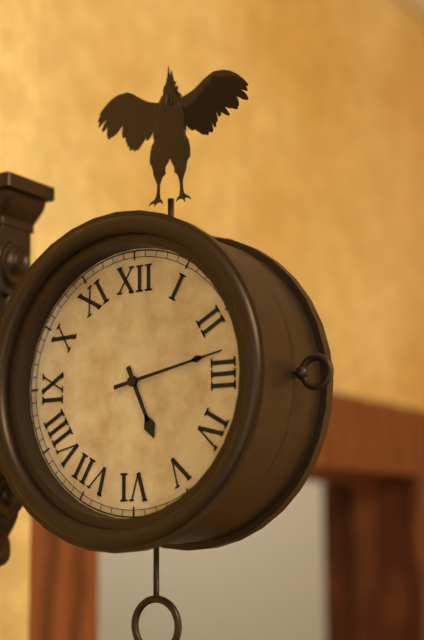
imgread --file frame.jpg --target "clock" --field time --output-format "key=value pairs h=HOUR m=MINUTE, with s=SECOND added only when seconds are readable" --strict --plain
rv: h=5 m=13
